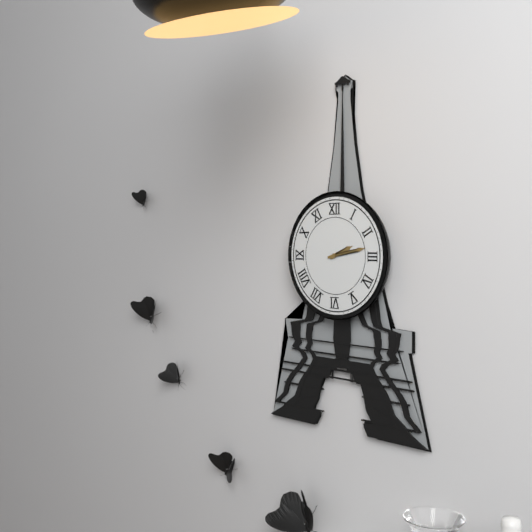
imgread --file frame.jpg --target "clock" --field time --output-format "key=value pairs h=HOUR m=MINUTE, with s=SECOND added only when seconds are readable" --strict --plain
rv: h=2 m=13
